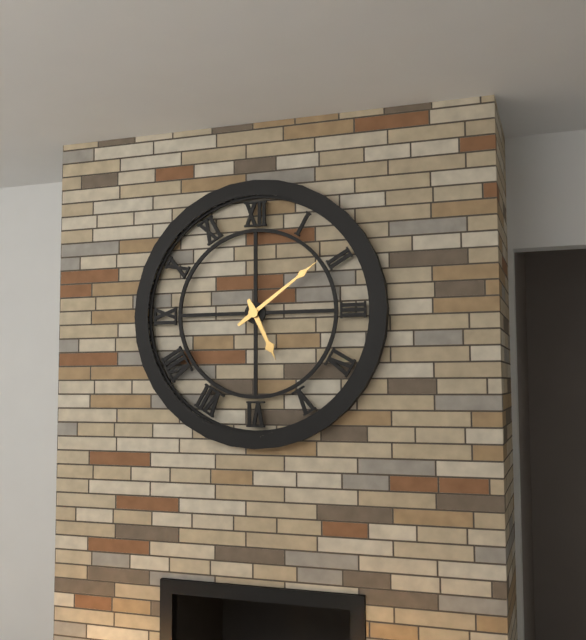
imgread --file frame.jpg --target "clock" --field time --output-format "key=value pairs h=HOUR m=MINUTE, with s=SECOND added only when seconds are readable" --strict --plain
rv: h=5 m=9
